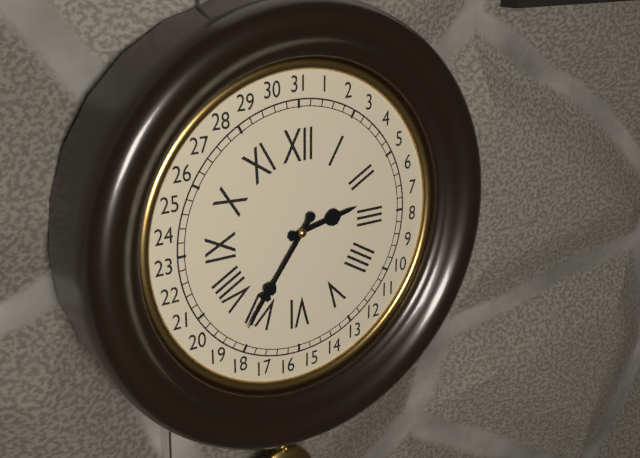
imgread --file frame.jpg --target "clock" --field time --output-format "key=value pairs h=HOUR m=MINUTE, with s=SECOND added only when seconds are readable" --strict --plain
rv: h=2 m=36
